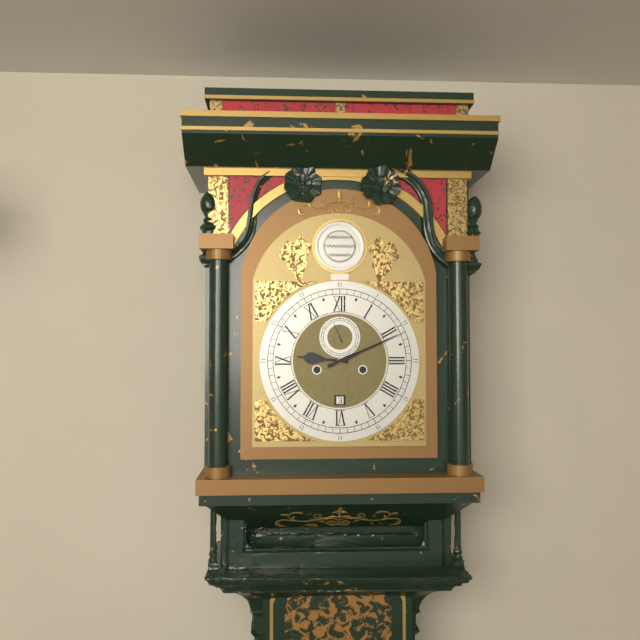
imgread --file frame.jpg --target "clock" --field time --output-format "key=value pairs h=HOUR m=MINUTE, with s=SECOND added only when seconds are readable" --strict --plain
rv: h=9 m=11
